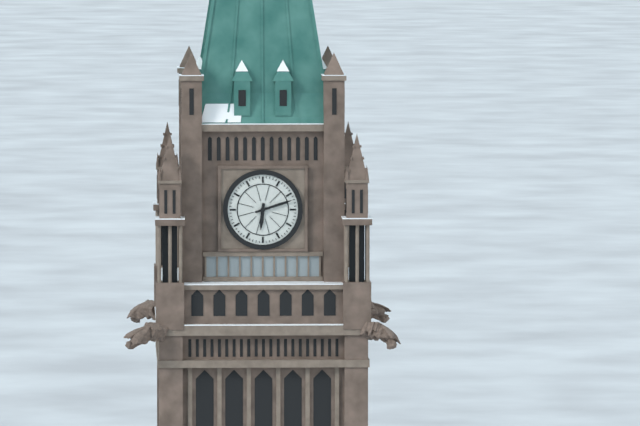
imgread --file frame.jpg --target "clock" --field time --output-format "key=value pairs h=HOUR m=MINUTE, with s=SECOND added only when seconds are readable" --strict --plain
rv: h=6 m=12
